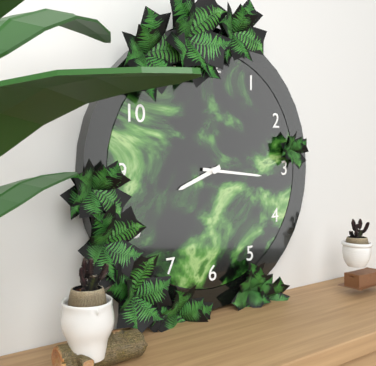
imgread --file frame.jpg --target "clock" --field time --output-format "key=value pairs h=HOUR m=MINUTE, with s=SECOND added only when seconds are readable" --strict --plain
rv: h=8 m=16
